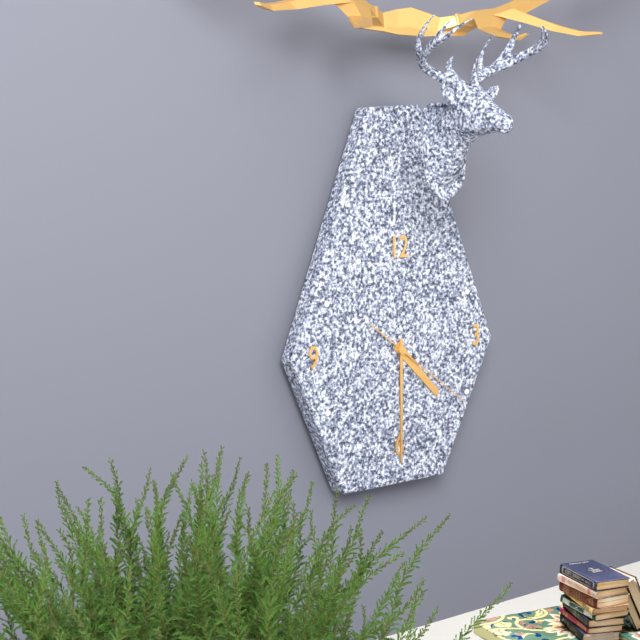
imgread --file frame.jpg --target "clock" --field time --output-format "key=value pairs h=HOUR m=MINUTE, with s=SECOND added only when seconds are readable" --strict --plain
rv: h=4 m=30 s=21
